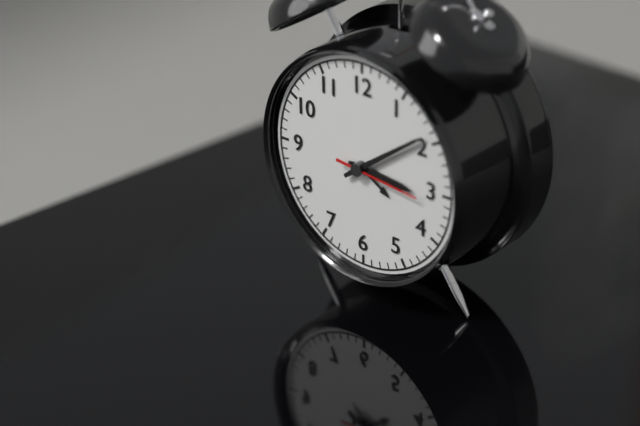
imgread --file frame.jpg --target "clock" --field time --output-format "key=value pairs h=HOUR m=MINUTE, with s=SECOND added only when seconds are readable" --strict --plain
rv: h=3 m=9 s=16
